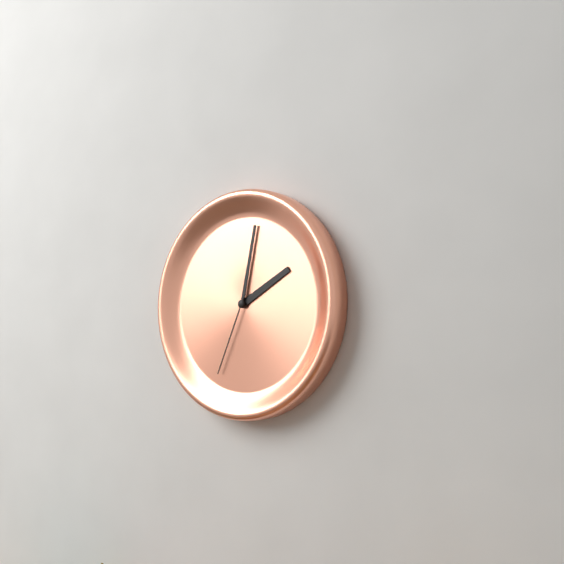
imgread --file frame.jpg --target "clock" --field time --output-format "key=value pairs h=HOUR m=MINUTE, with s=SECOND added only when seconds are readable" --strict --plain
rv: h=2 m=2 s=34
